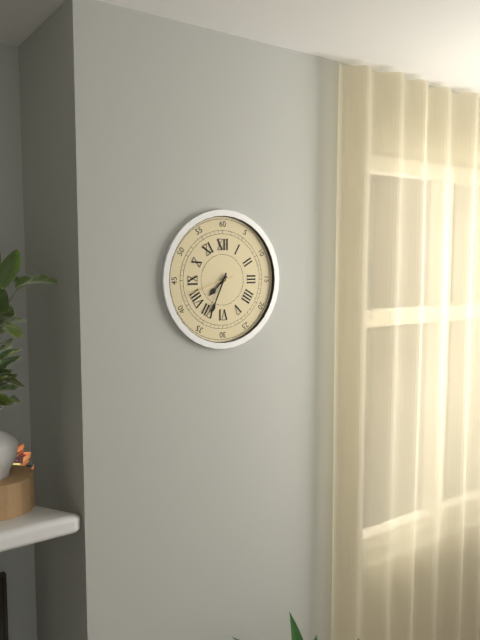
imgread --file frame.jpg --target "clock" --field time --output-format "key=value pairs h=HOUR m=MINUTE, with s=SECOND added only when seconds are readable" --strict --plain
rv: h=7 m=34
